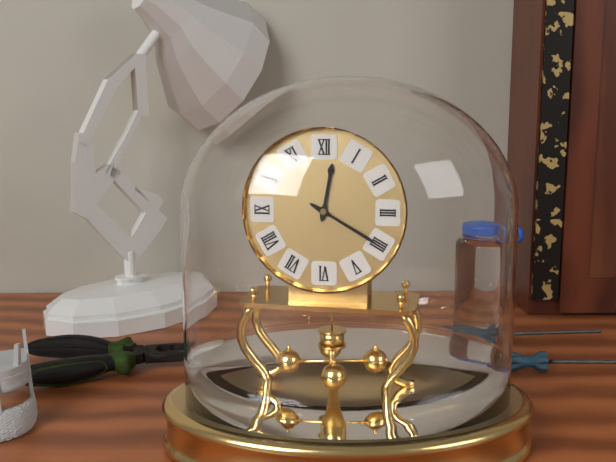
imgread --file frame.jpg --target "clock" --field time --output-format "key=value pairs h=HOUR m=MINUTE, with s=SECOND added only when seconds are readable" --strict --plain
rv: h=12 m=20
